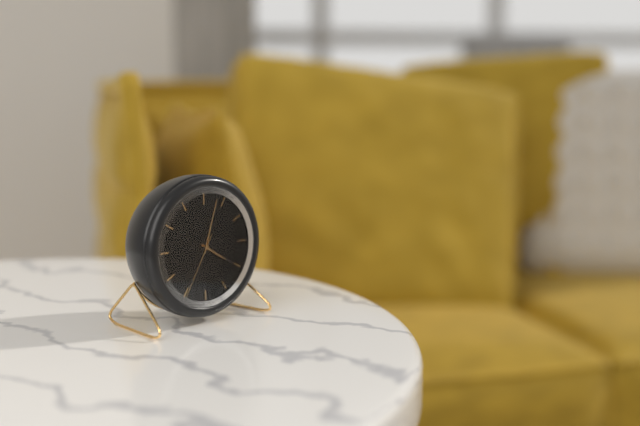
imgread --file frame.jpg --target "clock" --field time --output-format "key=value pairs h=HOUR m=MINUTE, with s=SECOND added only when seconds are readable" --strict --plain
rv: h=4 m=3 s=35
